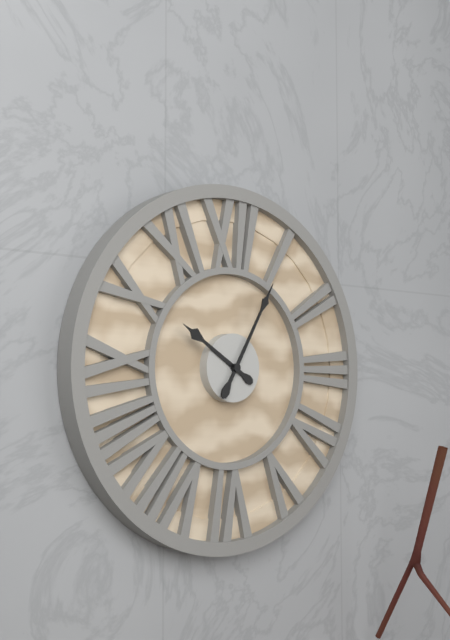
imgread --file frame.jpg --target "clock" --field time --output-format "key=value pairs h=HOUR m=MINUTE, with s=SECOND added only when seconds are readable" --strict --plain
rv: h=10 m=5
